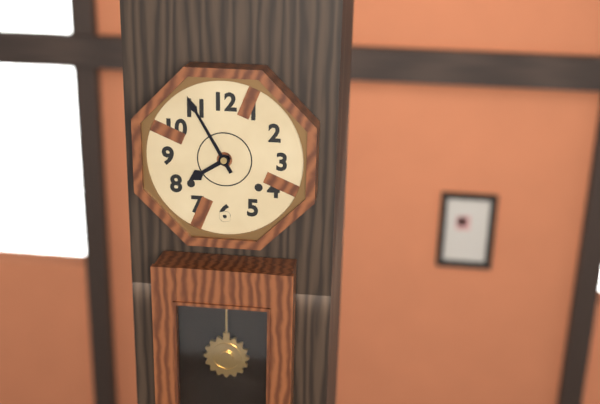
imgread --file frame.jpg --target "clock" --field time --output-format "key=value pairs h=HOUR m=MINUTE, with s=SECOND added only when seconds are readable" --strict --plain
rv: h=7 m=55
